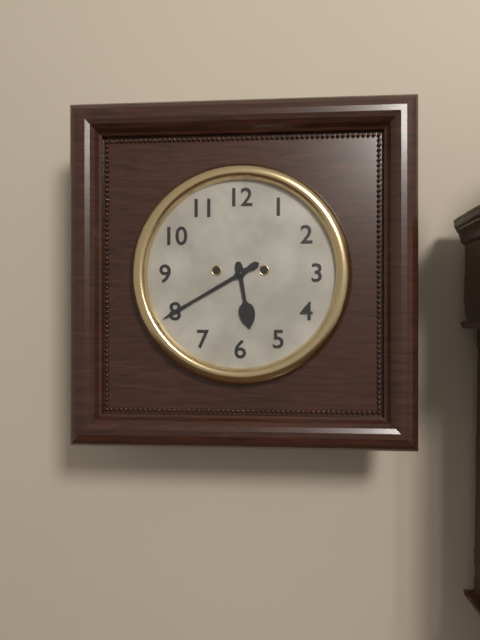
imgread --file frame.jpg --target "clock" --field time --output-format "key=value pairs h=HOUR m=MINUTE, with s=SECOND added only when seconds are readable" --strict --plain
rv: h=5 m=40
